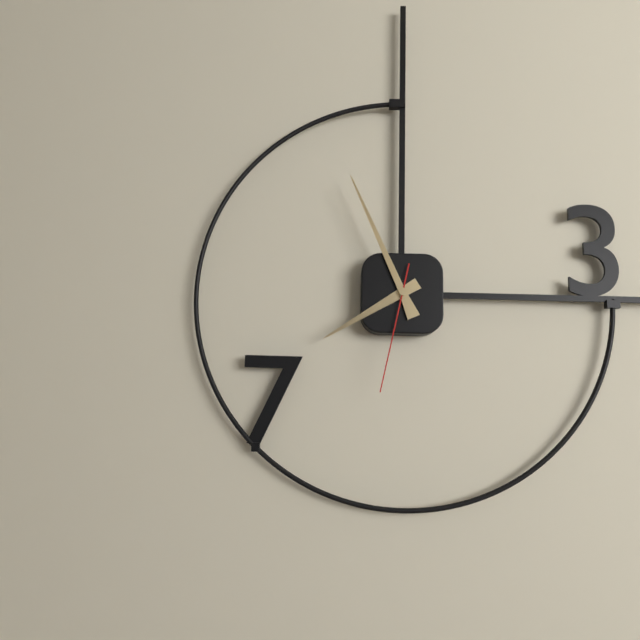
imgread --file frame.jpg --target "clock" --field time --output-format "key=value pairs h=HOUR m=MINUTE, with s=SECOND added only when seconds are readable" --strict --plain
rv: h=7 m=56 s=32
